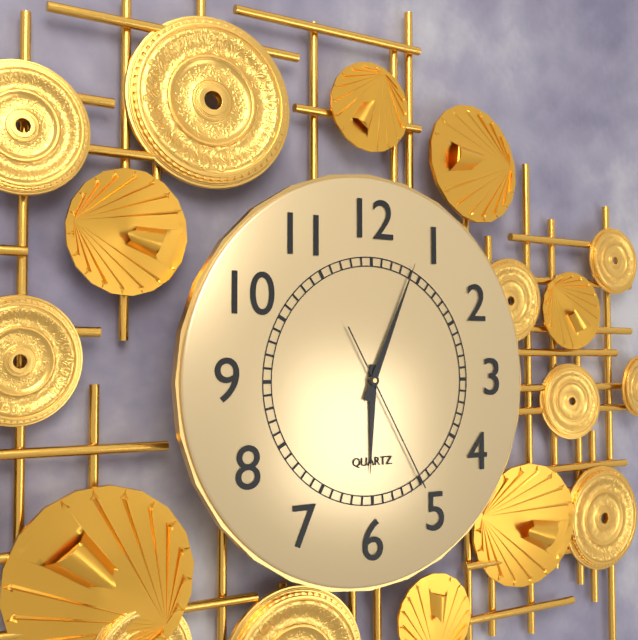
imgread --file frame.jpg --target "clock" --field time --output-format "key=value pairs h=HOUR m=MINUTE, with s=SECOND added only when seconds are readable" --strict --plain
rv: h=6 m=4 s=25
